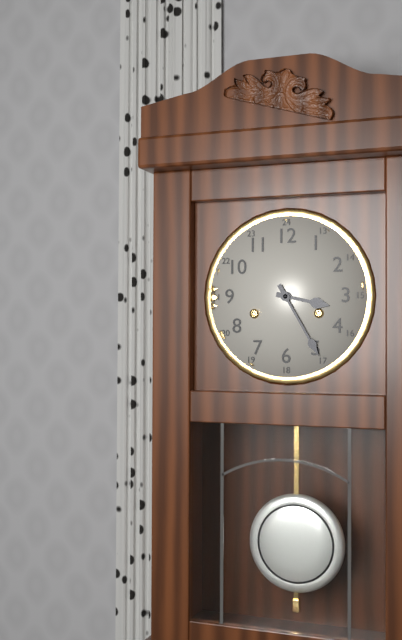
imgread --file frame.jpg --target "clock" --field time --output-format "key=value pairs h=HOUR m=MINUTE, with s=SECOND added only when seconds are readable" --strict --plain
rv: h=3 m=25
